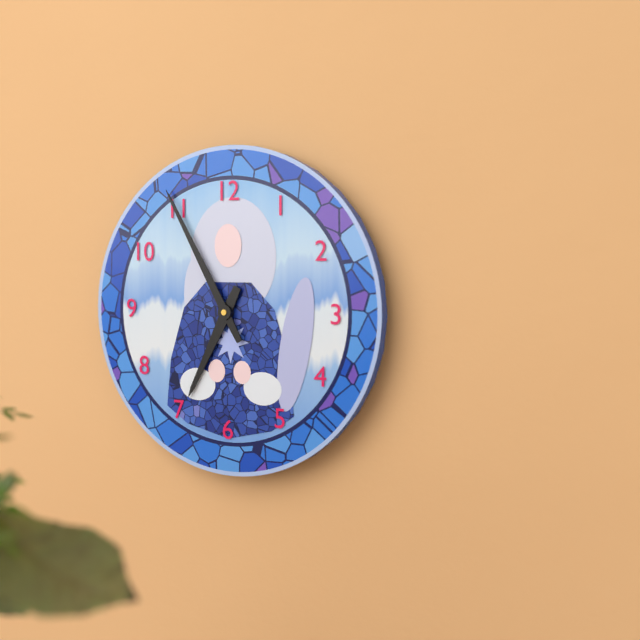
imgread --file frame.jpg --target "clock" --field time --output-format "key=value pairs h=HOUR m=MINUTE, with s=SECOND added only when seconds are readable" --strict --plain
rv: h=6 m=55
